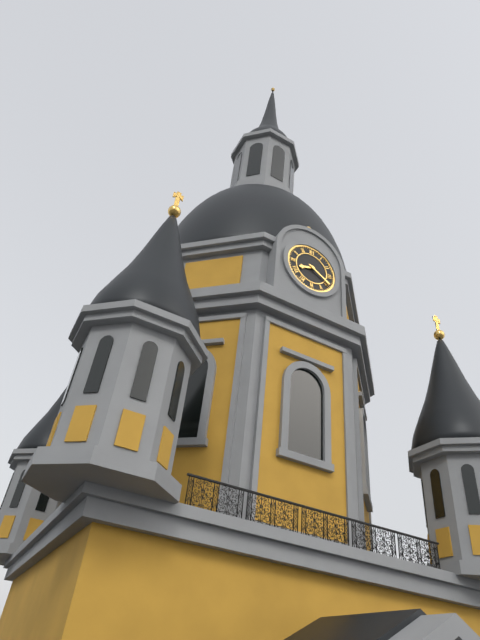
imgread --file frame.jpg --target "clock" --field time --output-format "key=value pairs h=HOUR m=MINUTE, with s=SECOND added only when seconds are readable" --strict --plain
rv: h=8 m=20
